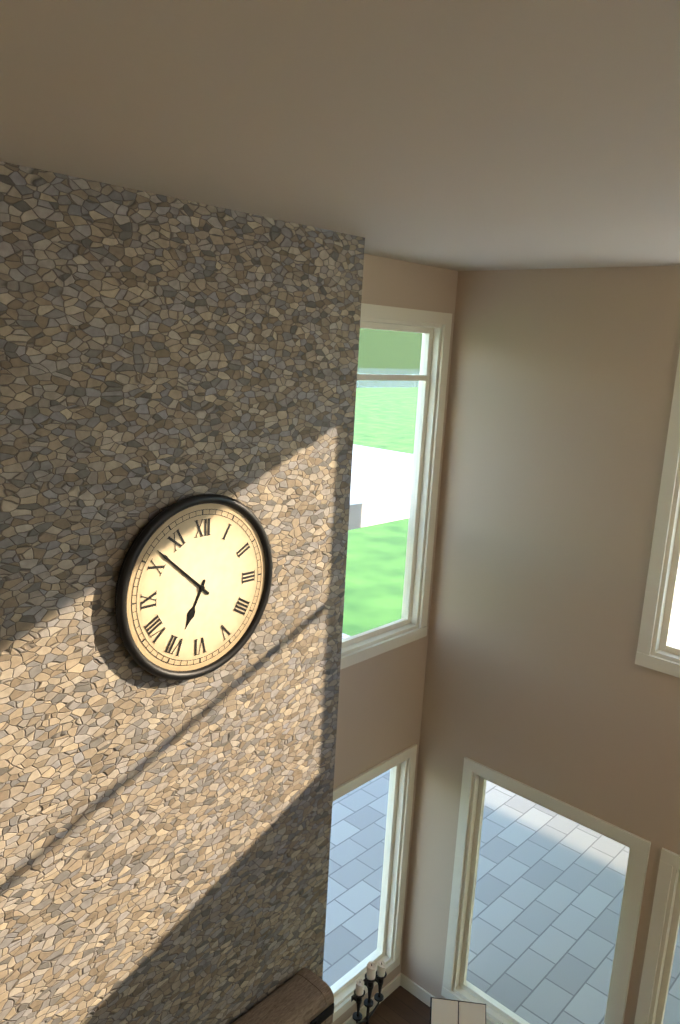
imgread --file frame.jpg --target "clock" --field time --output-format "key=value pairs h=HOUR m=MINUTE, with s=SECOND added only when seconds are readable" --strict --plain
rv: h=6 m=52
